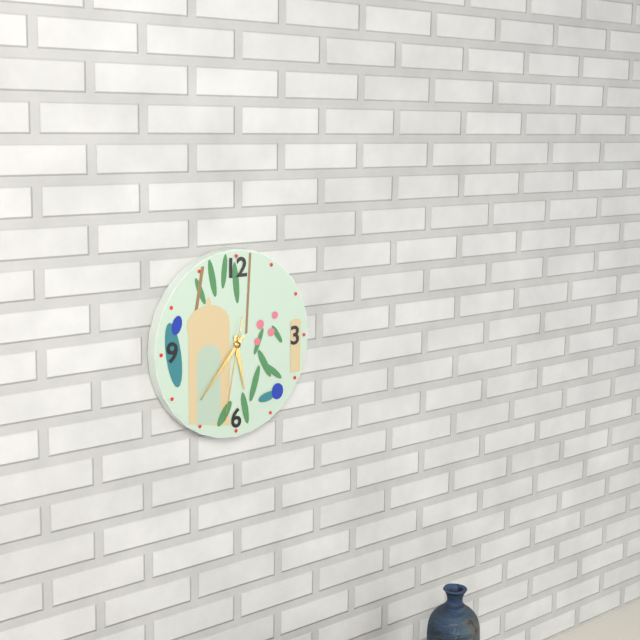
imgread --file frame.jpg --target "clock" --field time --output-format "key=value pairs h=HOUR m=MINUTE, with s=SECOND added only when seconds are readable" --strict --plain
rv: h=5 m=37 s=32
